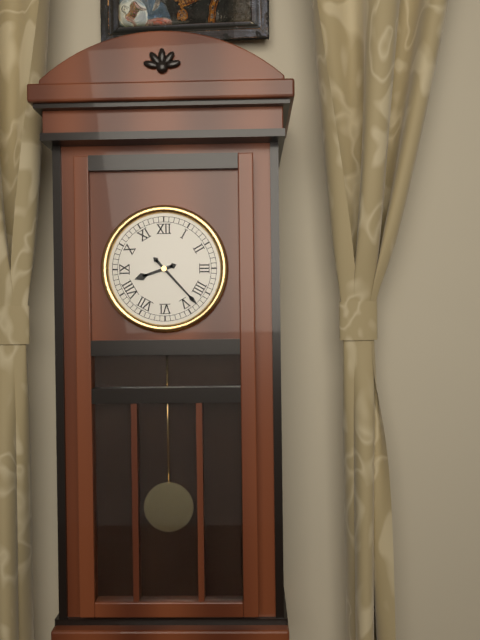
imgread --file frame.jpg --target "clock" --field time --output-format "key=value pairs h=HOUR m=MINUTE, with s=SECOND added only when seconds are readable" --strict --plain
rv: h=8 m=23
